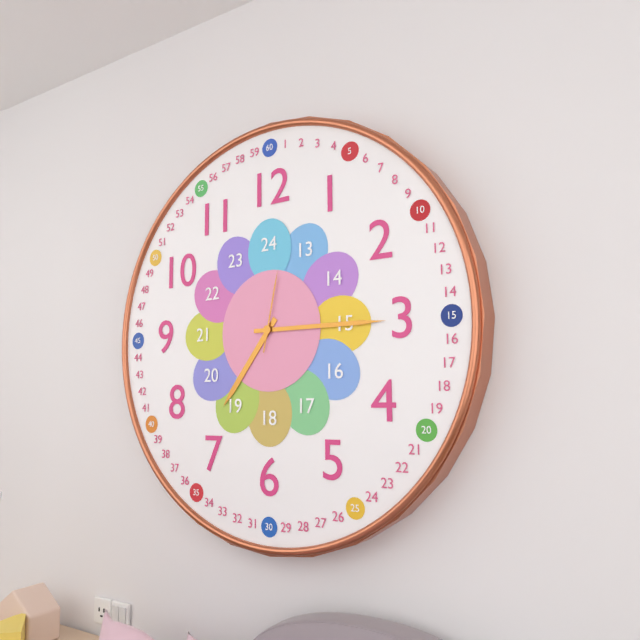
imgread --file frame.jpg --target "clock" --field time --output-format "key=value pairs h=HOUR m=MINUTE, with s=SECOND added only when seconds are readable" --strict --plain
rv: h=7 m=15 s=2
